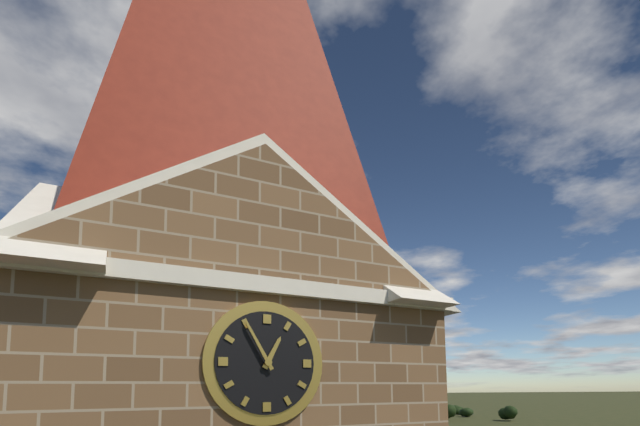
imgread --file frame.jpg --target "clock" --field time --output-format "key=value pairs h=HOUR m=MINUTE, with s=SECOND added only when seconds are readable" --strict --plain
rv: h=12 m=55
